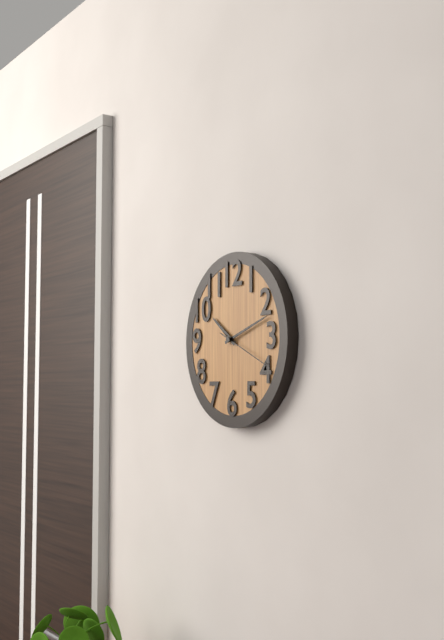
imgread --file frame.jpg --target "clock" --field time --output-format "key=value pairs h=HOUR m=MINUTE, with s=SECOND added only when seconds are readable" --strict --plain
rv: h=10 m=12 s=19
